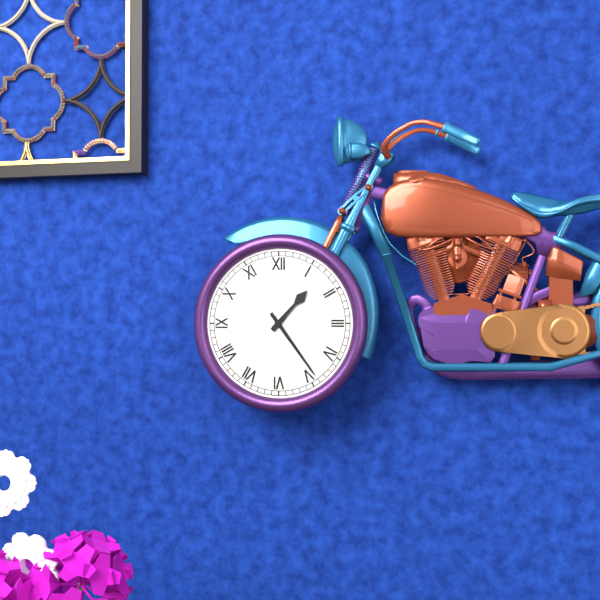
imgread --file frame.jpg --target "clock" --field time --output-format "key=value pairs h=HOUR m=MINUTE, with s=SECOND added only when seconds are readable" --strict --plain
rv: h=1 m=24
